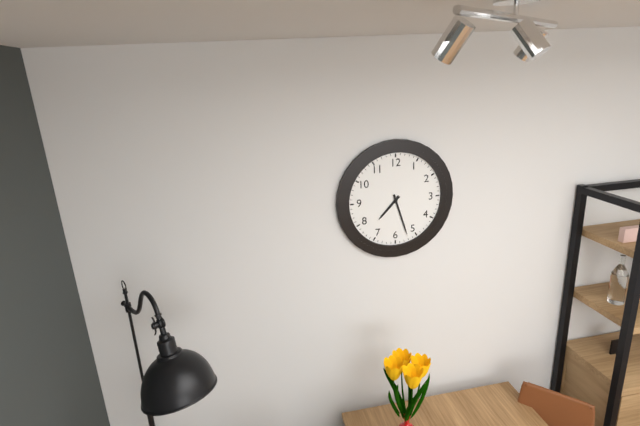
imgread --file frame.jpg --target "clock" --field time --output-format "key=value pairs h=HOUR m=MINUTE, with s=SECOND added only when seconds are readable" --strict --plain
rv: h=7 m=27
